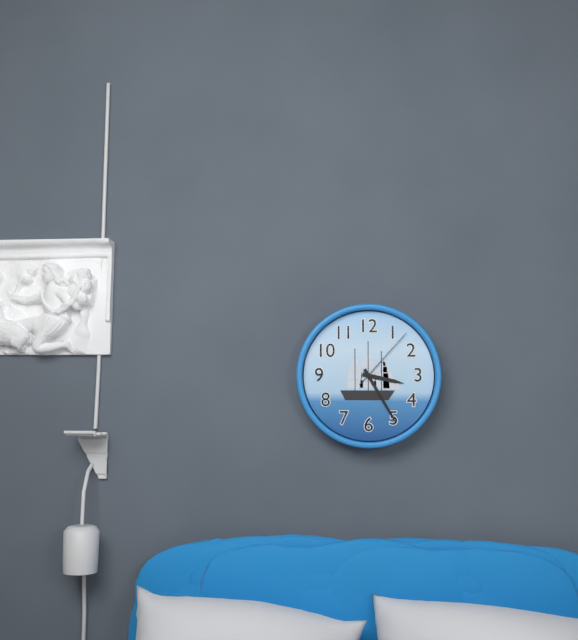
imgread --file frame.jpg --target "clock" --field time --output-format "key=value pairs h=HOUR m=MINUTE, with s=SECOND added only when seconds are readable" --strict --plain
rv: h=3 m=25 s=7
